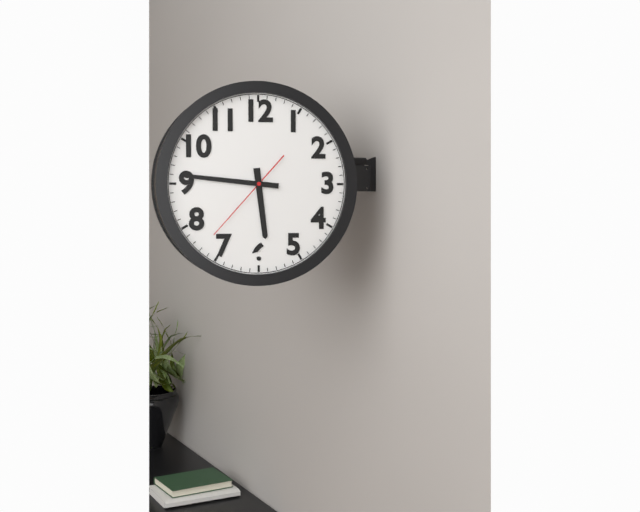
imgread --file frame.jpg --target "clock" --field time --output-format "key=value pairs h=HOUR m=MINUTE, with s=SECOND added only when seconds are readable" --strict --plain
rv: h=5 m=46 s=37
